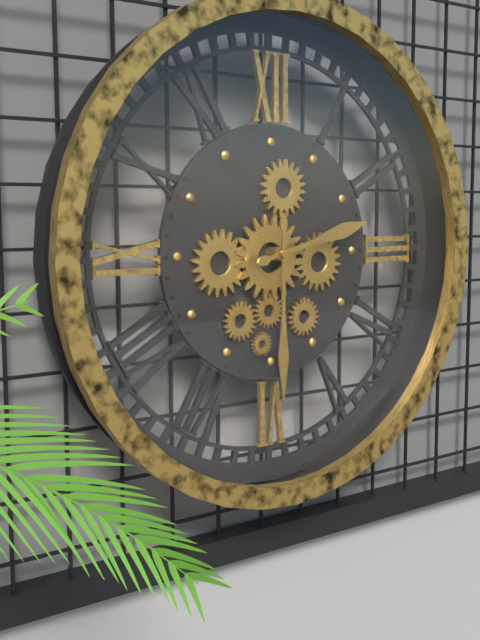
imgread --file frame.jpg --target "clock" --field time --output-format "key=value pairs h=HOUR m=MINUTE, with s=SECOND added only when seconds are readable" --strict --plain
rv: h=2 m=30
